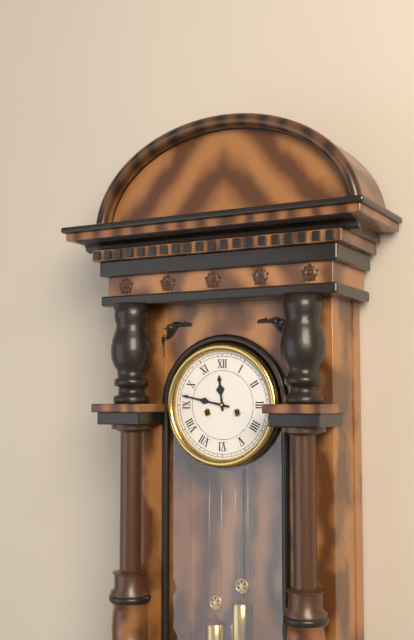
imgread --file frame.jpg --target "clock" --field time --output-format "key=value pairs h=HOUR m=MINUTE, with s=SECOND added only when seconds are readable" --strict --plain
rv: h=11 m=47
